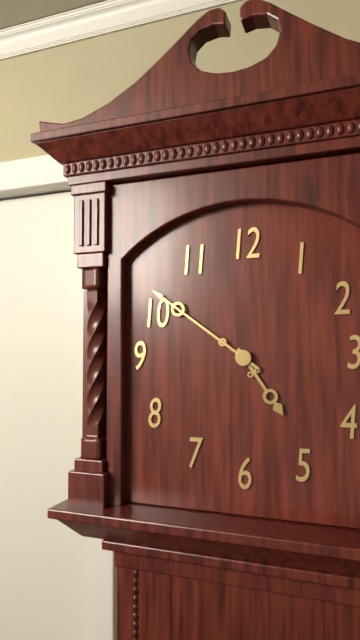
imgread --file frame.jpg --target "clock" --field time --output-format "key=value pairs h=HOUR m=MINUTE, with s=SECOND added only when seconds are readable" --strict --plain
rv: h=4 m=51
